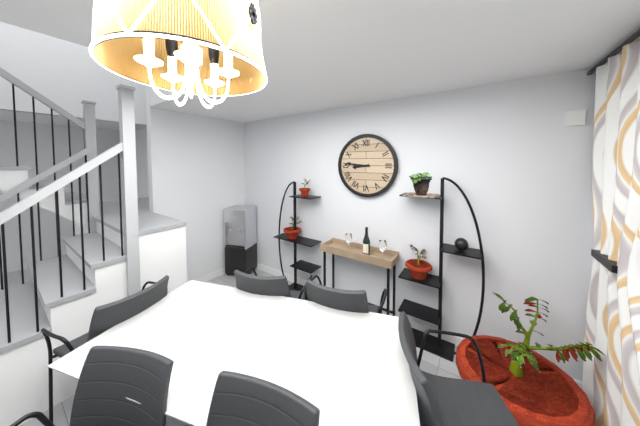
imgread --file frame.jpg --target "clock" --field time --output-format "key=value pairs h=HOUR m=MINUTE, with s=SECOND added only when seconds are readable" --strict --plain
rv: h=8 m=46
